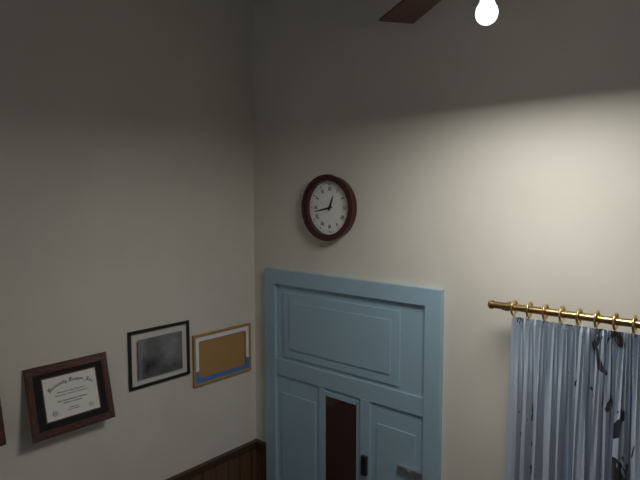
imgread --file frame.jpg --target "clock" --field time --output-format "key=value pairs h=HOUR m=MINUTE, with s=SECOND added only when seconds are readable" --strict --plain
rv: h=12 m=43
